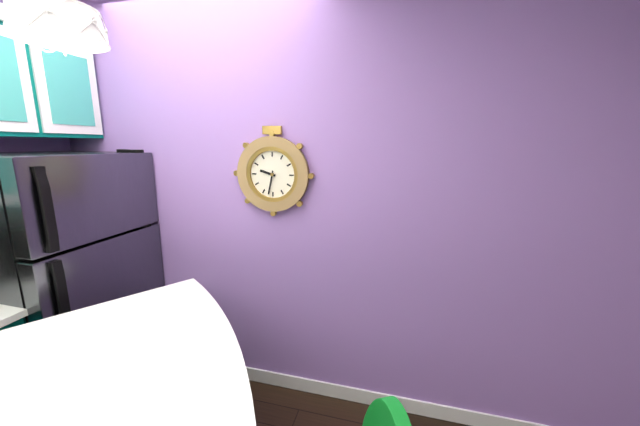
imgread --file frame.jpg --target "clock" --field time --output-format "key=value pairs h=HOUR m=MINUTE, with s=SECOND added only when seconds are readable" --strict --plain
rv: h=9 m=32
